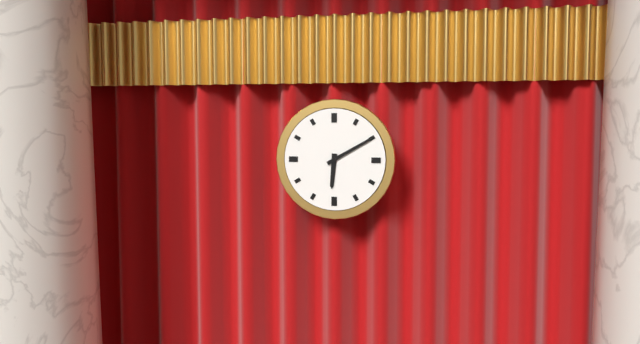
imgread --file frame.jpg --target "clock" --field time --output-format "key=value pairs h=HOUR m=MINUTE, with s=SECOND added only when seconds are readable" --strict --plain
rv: h=6 m=10
